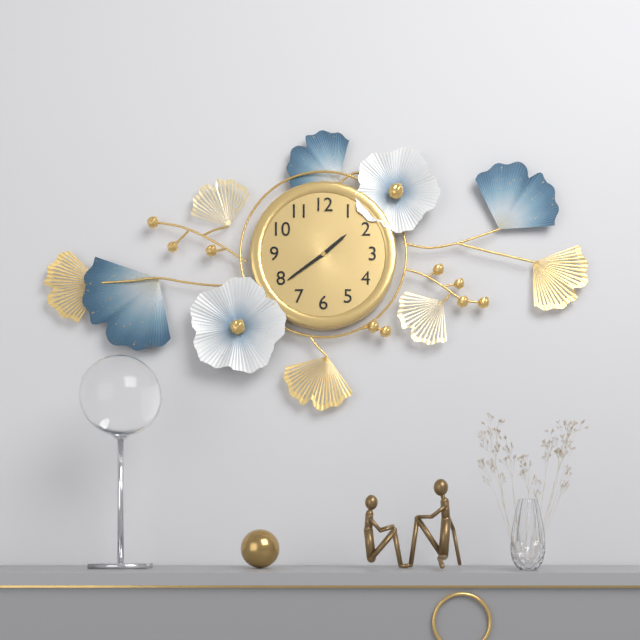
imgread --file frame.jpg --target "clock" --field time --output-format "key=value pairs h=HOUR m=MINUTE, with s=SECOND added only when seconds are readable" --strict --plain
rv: h=1 m=39
